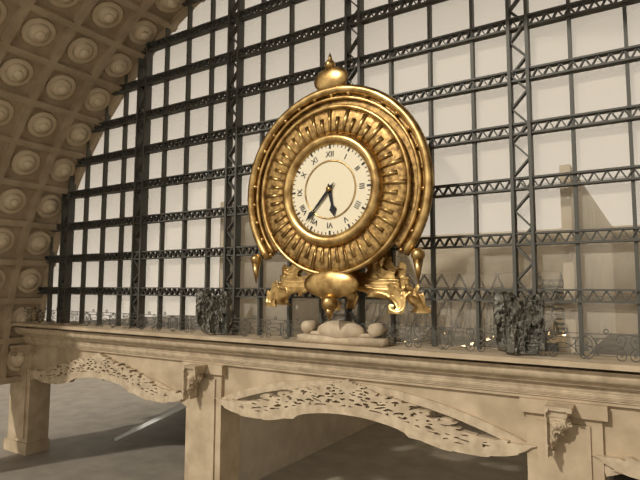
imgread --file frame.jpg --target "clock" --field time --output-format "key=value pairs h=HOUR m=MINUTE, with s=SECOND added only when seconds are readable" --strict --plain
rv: h=5 m=37
